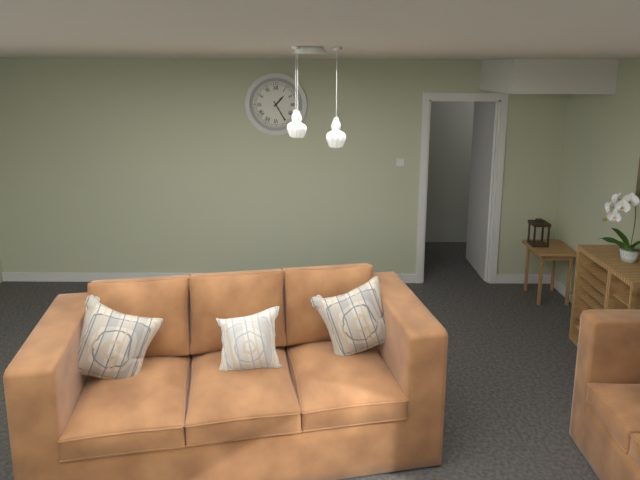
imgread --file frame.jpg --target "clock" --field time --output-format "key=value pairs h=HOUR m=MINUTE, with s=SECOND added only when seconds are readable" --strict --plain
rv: h=1 m=25
